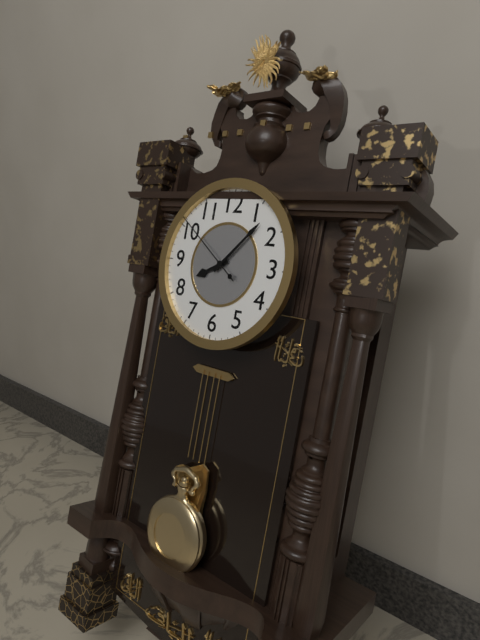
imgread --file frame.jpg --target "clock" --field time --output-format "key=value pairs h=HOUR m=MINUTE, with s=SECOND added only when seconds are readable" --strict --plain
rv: h=8 m=7 s=51
